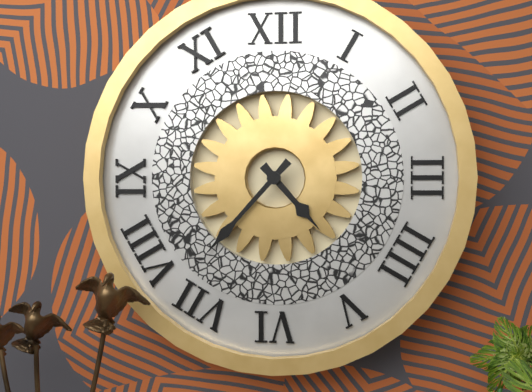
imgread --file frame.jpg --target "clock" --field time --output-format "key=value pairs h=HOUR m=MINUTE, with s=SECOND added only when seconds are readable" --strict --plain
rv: h=4 m=37
